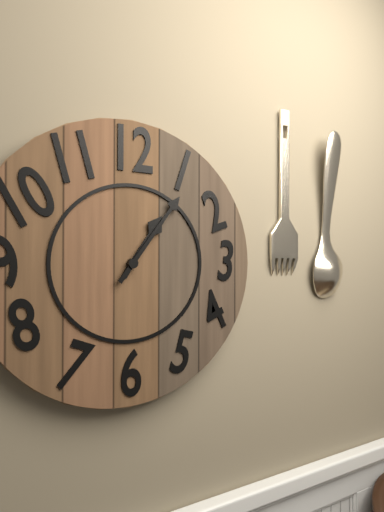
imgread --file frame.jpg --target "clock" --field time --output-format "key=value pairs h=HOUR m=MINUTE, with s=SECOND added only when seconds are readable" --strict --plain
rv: h=1 m=6
